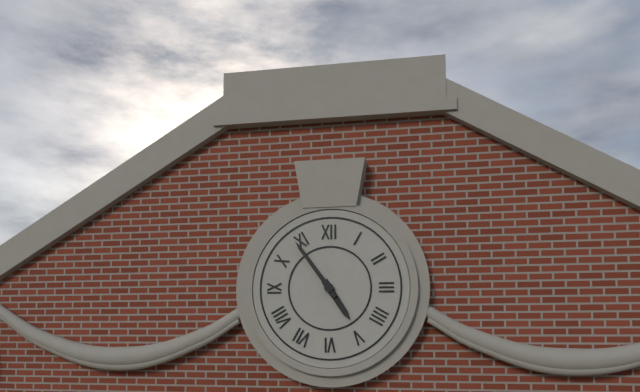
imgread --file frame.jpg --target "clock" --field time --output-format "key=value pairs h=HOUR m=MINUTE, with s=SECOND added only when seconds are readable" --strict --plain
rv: h=4 m=54
